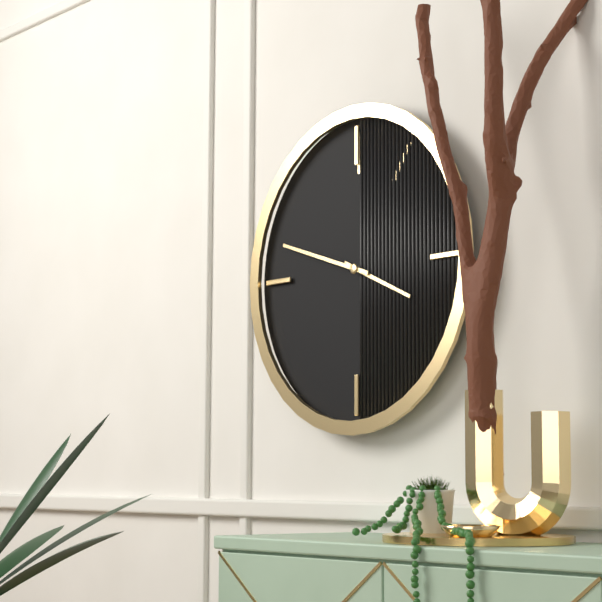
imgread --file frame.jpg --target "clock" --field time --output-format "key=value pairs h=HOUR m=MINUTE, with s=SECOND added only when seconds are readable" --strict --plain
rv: h=3 m=48
